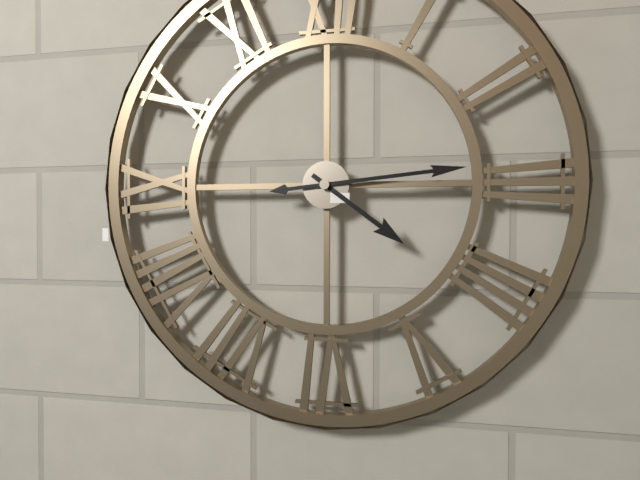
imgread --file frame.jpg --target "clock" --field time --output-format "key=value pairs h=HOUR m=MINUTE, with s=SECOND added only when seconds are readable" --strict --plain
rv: h=4 m=14
